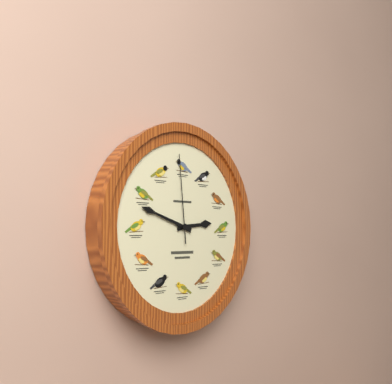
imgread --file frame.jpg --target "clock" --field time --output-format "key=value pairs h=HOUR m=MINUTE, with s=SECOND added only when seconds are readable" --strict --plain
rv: h=2 m=48 s=59
